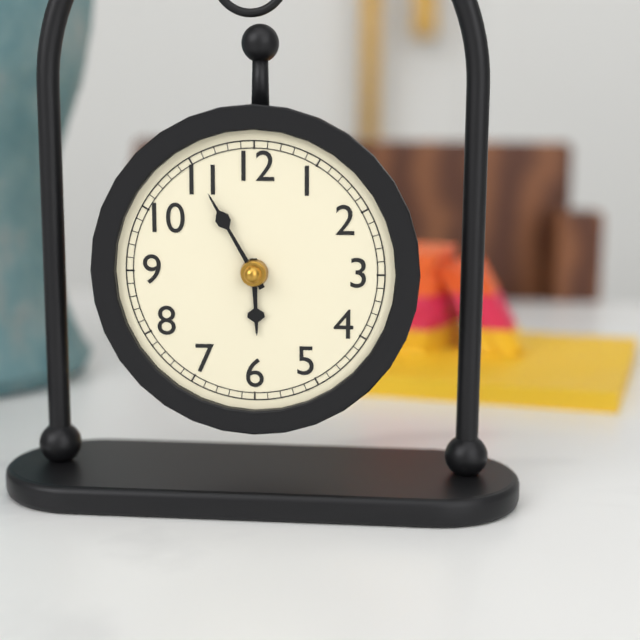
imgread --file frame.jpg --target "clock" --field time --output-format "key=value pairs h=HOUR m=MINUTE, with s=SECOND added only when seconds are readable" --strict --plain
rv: h=5 m=55
